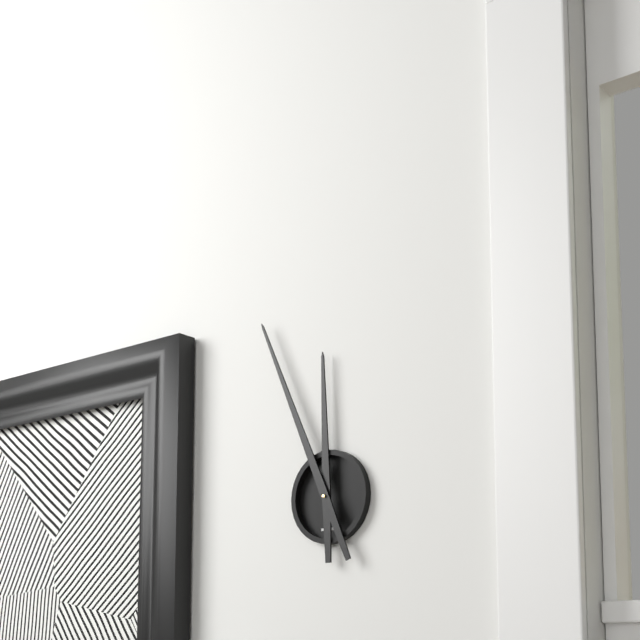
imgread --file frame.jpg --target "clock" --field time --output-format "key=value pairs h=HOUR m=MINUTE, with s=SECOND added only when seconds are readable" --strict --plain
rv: h=11 m=56
